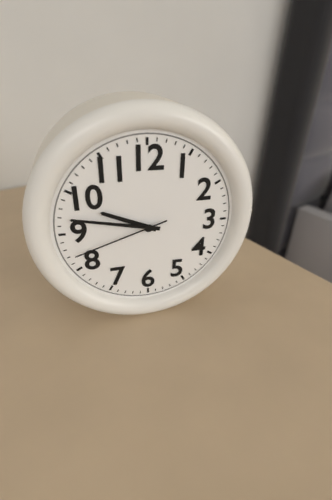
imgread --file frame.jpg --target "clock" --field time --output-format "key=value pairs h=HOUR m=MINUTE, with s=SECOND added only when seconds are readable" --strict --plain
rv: h=9 m=47 s=42
